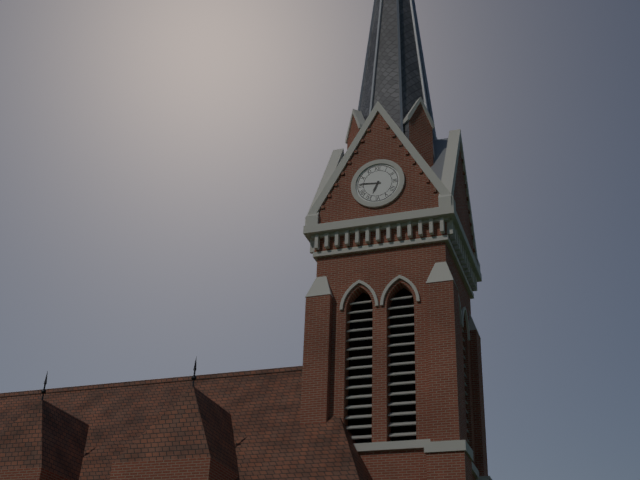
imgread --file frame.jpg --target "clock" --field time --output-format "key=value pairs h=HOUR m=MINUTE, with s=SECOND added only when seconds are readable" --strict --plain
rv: h=6 m=46
